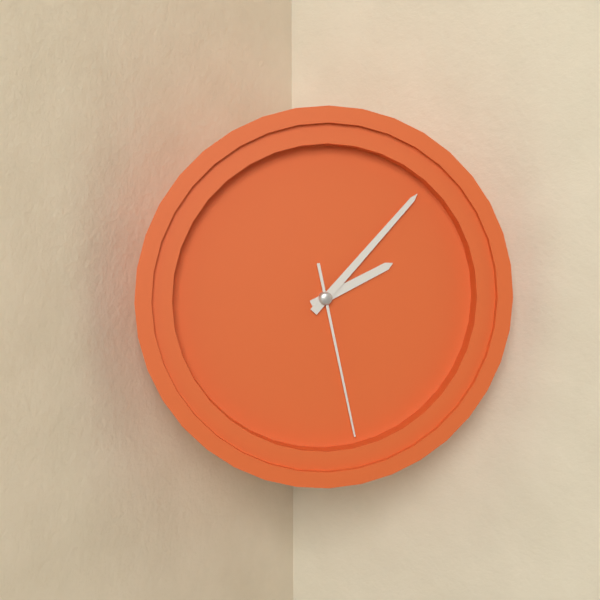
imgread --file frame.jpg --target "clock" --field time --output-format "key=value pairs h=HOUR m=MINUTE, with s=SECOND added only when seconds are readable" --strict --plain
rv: h=2 m=7 s=28
